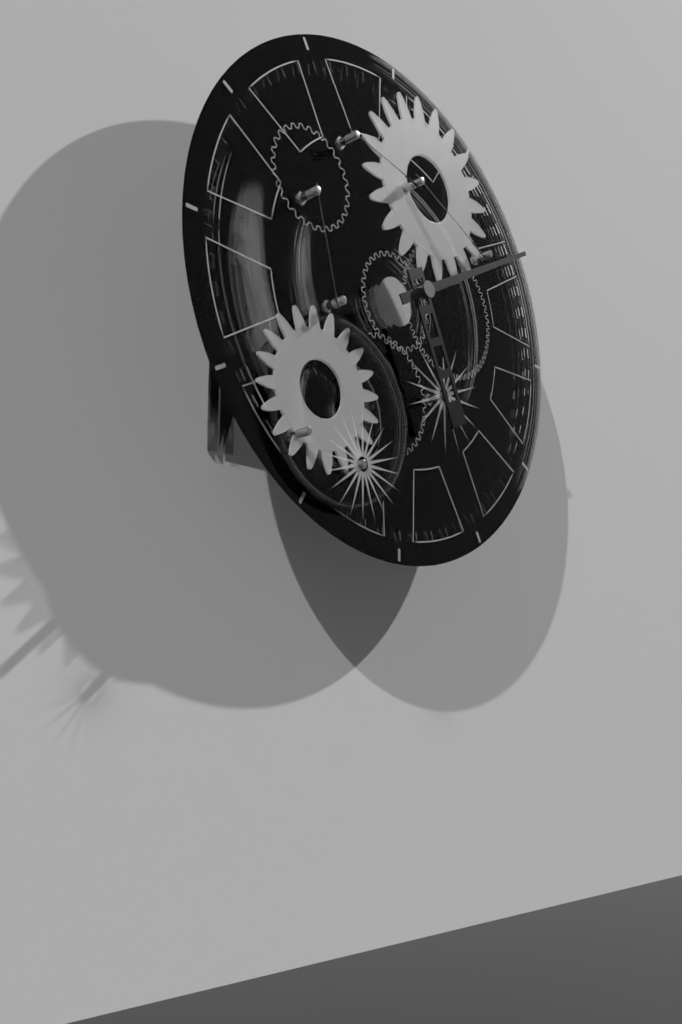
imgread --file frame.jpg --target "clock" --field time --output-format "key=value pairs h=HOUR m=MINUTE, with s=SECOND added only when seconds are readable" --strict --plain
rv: h=5 m=10
